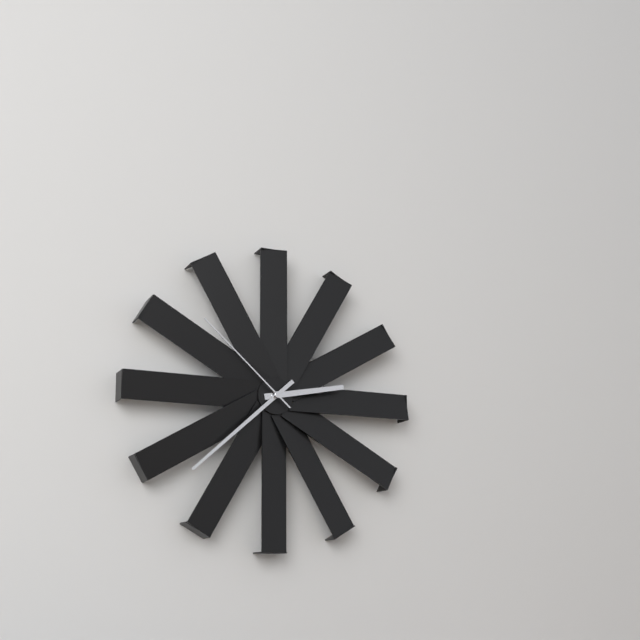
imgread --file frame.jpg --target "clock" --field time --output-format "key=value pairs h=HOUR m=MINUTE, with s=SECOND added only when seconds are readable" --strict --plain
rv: h=2 m=38 s=52
